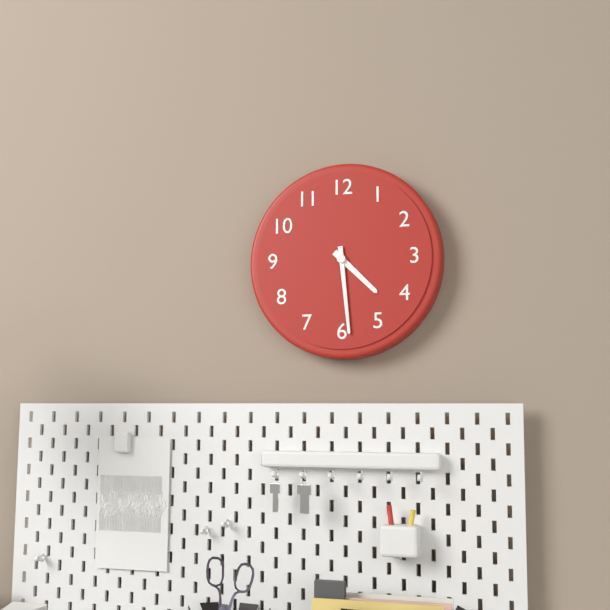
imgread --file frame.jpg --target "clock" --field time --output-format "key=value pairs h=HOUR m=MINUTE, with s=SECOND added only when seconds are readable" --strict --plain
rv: h=4 m=29
